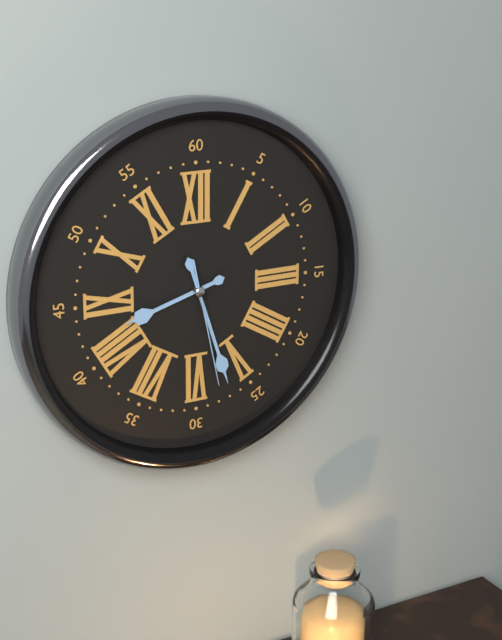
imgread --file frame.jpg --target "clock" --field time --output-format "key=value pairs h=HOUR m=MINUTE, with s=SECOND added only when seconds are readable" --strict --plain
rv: h=8 m=27 s=28
